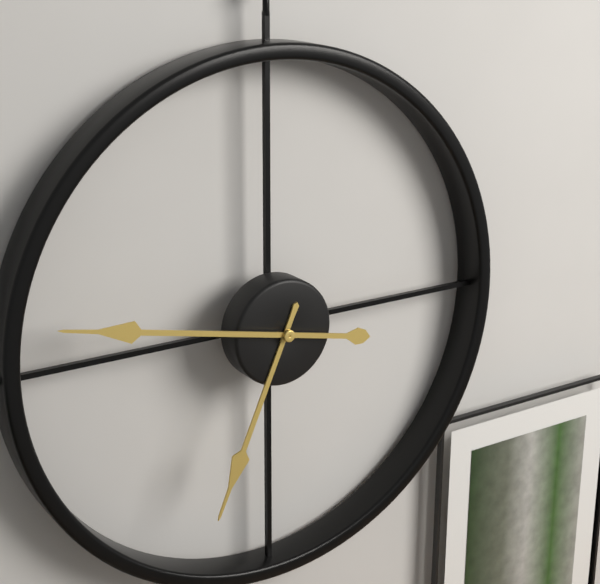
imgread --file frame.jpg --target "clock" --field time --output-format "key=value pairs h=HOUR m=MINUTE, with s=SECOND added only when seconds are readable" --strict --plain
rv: h=6 m=47
